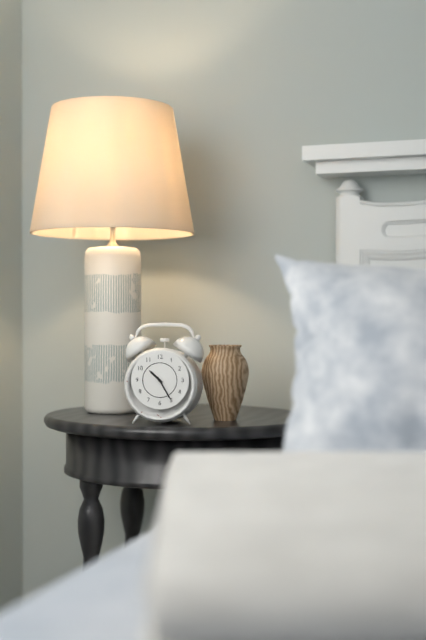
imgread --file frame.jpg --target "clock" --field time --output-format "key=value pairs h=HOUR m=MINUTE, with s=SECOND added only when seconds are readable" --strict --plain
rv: h=10 m=25
